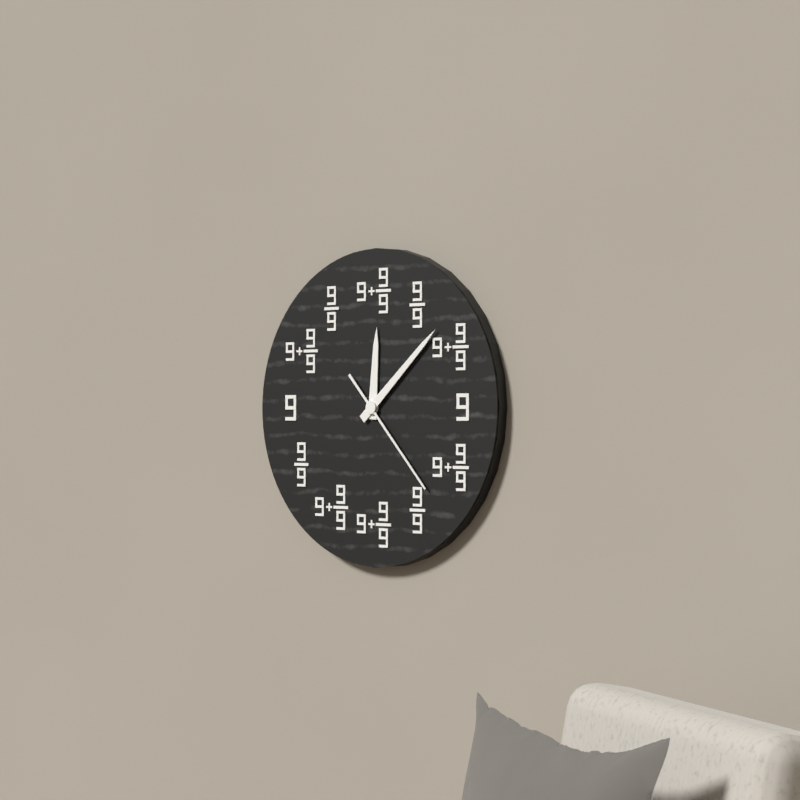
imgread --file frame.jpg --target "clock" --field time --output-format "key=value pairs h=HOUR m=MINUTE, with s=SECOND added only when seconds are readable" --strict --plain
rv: h=12 m=8 s=23
